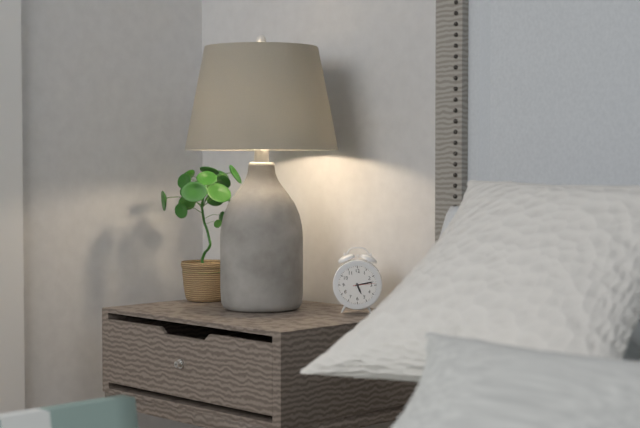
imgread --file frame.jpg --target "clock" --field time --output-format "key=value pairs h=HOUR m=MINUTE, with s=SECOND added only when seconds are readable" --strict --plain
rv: h=5 m=13
